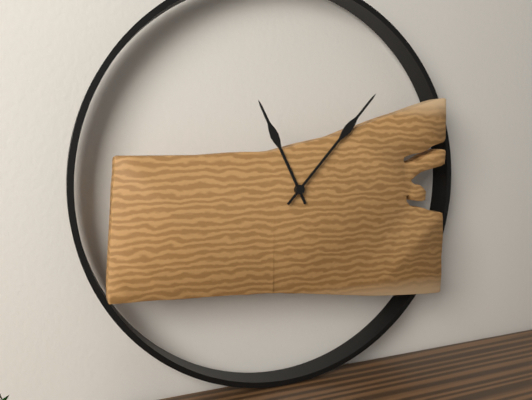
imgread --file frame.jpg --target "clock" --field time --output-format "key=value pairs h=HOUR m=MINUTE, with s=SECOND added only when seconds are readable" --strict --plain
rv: h=11 m=7
